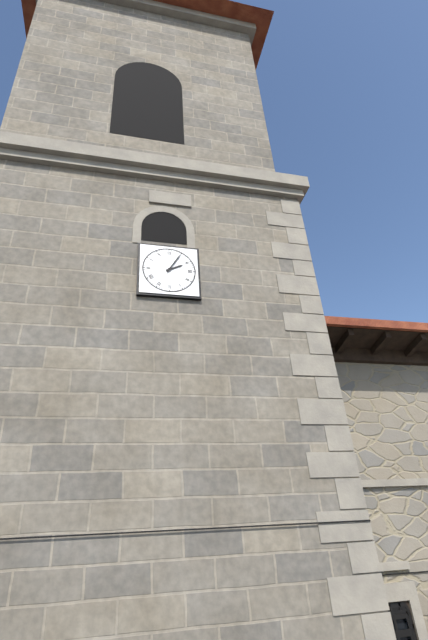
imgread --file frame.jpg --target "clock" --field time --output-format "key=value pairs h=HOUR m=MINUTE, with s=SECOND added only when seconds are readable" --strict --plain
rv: h=2 m=5
